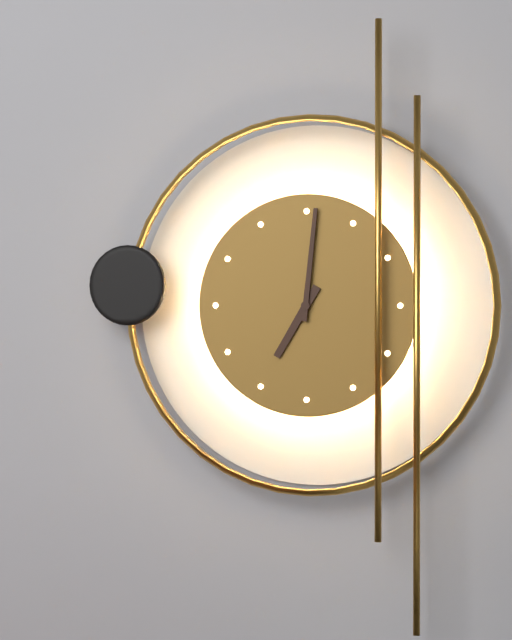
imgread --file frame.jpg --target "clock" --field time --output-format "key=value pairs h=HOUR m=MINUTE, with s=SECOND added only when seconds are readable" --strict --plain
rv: h=7 m=1
